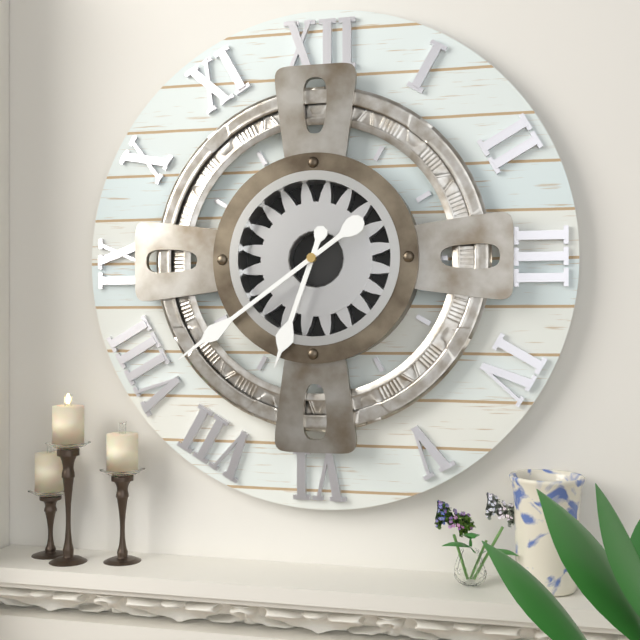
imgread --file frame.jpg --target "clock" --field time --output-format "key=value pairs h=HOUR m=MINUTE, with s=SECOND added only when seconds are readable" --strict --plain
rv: h=6 m=39
